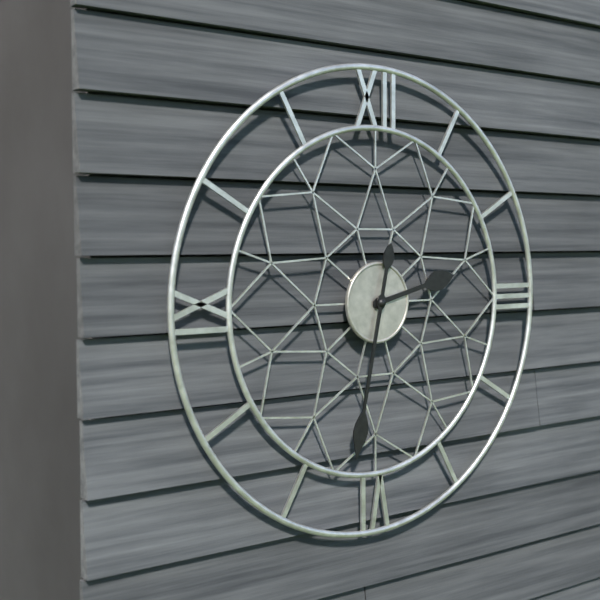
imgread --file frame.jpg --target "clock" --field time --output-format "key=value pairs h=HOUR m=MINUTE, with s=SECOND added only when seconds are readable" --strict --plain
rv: h=2 m=32
